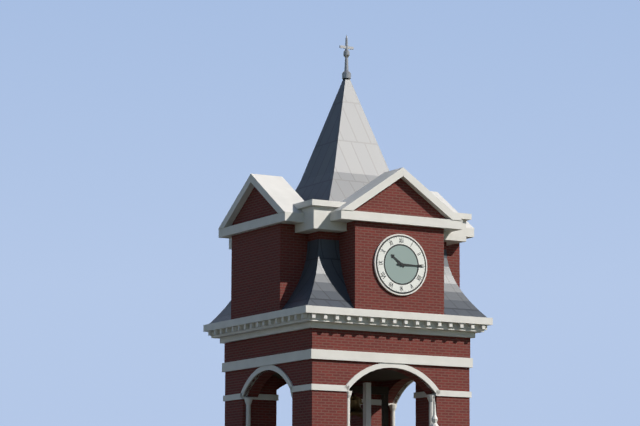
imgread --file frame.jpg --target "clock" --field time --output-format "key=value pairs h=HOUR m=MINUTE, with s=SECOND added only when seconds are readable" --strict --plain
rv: h=10 m=15
